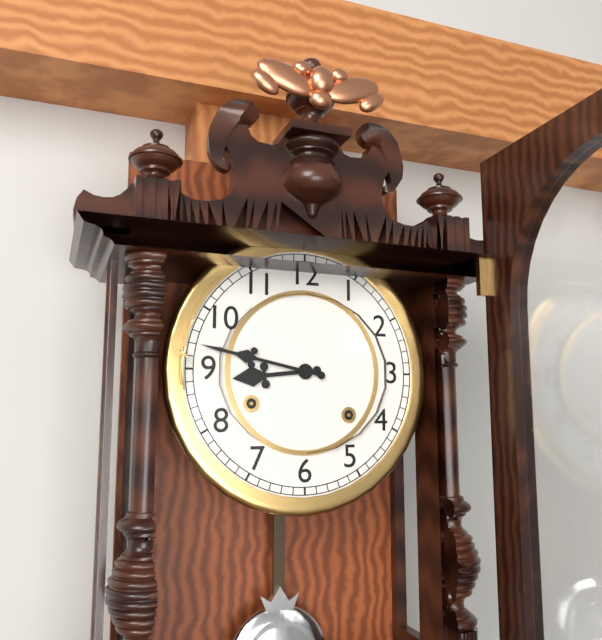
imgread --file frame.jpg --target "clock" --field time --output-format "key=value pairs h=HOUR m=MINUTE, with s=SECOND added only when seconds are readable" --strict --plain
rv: h=8 m=47
